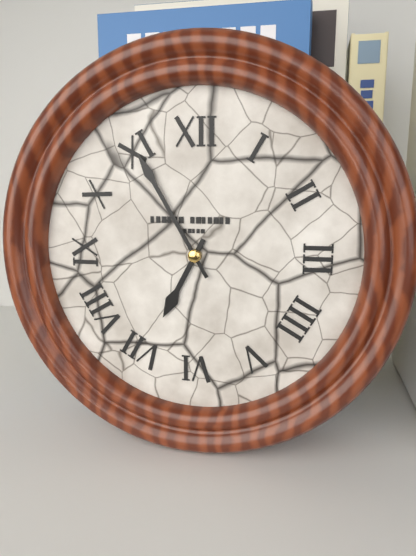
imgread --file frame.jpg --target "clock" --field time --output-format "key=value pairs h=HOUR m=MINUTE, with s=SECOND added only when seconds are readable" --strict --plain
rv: h=6 m=55
